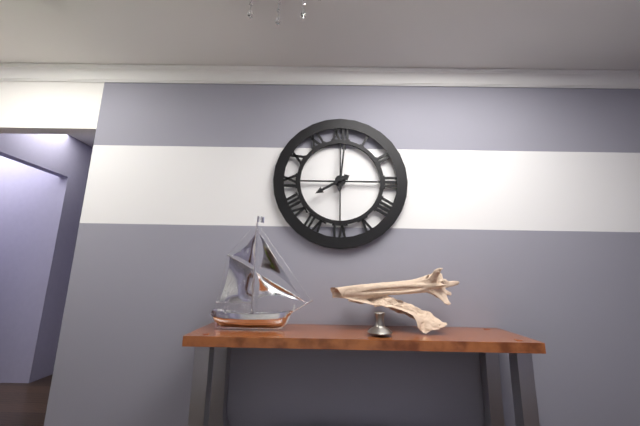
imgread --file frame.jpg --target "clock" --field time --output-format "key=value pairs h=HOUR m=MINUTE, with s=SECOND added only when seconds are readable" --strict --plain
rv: h=8 m=1
